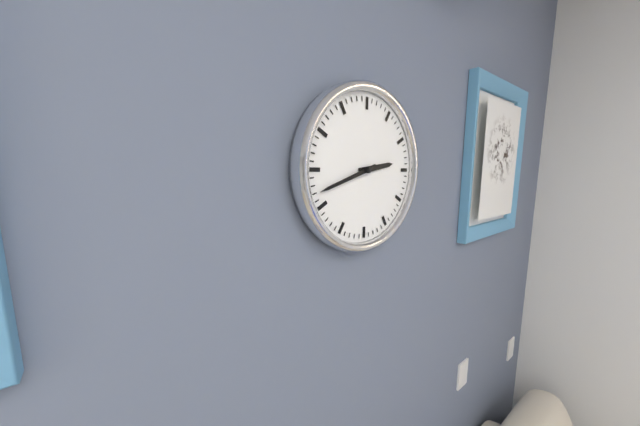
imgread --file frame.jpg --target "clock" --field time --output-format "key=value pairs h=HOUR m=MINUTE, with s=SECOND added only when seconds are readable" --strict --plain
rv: h=2 m=42
